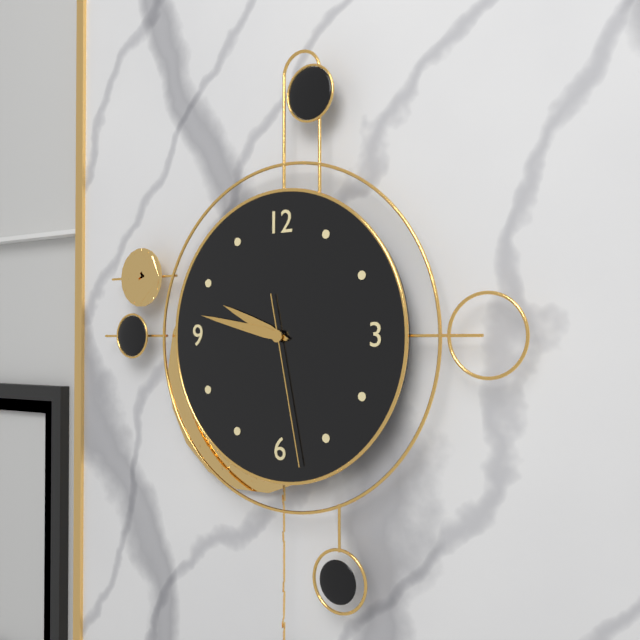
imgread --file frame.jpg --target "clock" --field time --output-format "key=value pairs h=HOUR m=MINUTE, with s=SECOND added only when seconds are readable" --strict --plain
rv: h=9 m=47 s=28
